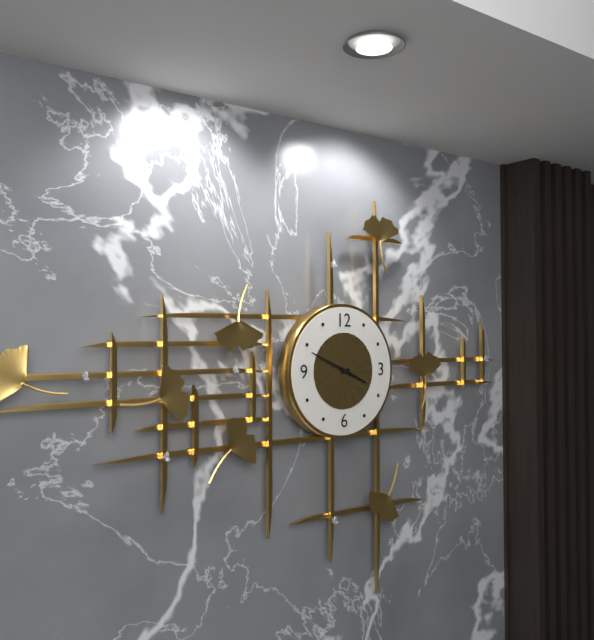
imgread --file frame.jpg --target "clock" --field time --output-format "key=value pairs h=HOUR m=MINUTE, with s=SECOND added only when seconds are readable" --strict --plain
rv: h=3 m=49
